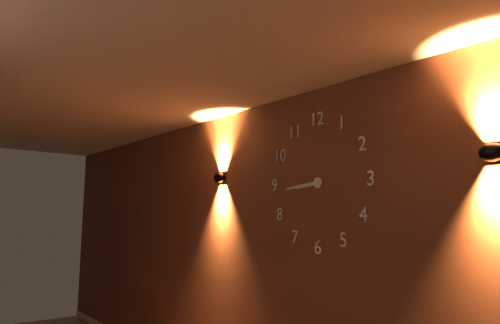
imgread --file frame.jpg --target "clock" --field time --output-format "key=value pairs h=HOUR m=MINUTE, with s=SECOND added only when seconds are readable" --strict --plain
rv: h=8 m=44
